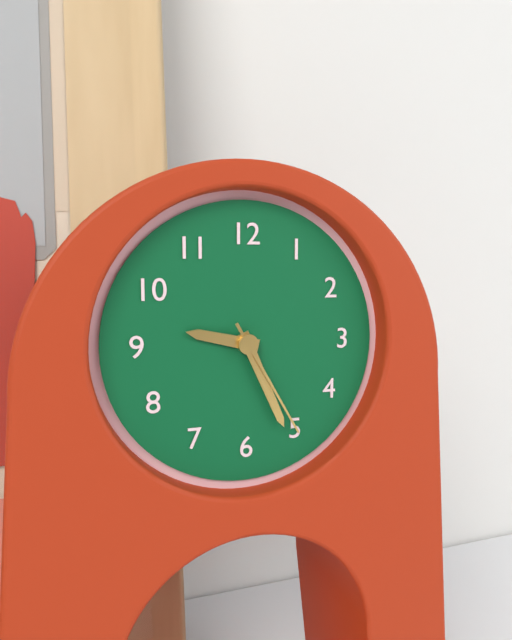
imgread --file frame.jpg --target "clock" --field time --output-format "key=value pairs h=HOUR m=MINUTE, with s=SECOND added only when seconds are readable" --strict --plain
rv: h=9 m=26 s=25
